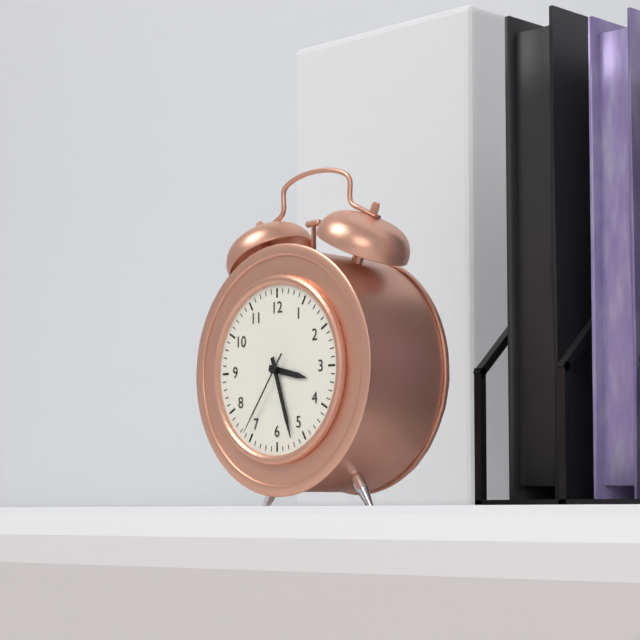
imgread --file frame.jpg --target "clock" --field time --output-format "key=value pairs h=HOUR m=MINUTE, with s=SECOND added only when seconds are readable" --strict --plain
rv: h=3 m=27 s=36
